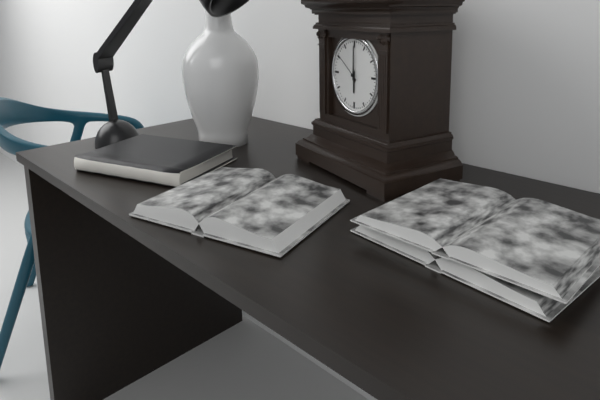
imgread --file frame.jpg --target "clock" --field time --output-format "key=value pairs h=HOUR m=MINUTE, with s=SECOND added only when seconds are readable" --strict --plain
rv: h=6 m=0
